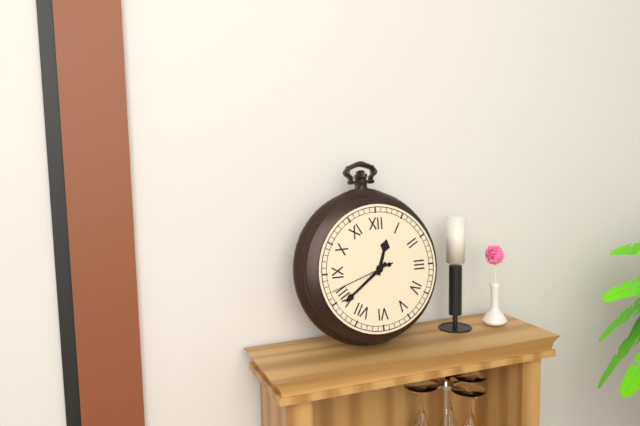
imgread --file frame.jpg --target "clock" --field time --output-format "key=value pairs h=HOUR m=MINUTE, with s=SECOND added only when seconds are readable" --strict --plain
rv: h=12 m=39 s=42
